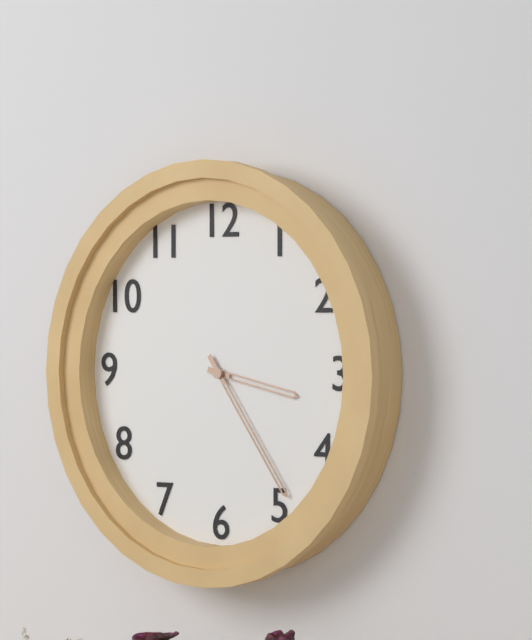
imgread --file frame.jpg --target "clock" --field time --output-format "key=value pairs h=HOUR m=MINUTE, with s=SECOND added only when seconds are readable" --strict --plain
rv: h=3 m=24
